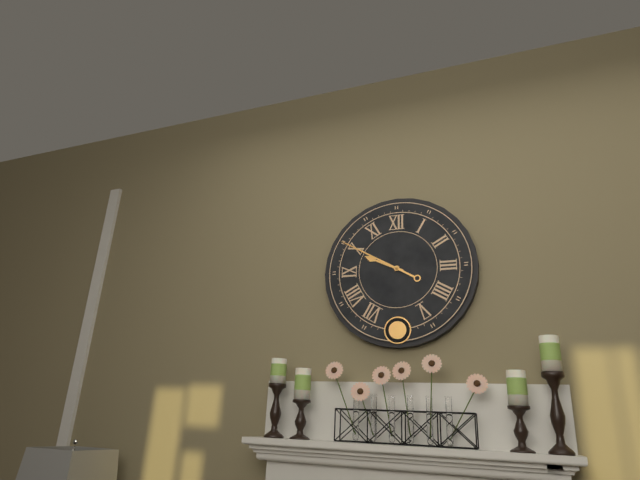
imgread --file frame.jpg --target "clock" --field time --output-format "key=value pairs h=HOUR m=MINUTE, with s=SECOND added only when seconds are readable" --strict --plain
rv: h=9 m=50
